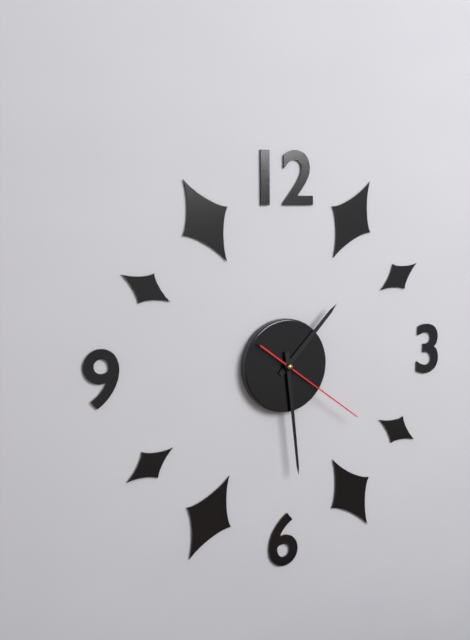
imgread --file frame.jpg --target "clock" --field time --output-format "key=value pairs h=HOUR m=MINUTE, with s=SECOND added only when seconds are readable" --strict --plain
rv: h=1 m=29 s=21
